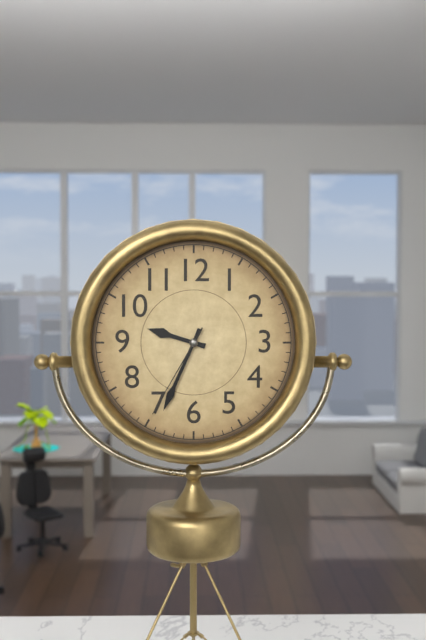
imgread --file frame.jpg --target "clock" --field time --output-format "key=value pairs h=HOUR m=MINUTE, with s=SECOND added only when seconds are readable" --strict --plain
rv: h=9 m=34 s=35
